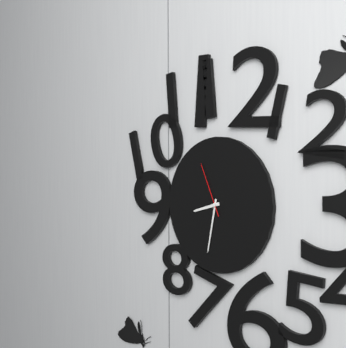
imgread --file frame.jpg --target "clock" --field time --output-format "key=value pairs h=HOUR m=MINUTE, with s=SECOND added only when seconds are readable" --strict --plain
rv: h=8 m=32 s=56
